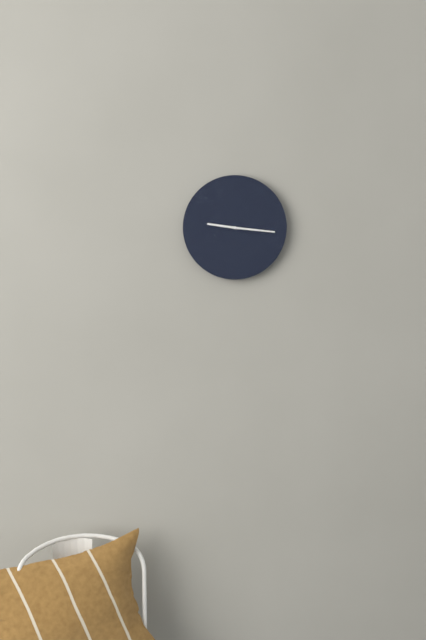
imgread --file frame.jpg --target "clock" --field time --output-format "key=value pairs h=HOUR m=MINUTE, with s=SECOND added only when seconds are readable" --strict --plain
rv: h=9 m=16
